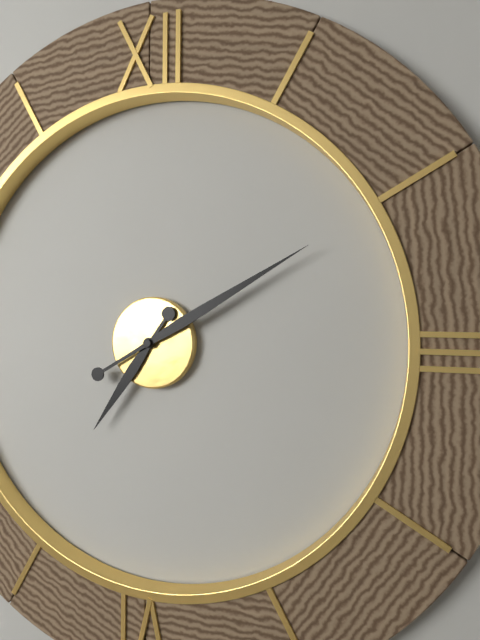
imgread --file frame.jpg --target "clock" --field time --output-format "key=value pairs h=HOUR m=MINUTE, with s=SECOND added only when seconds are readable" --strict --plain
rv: h=7 m=10
